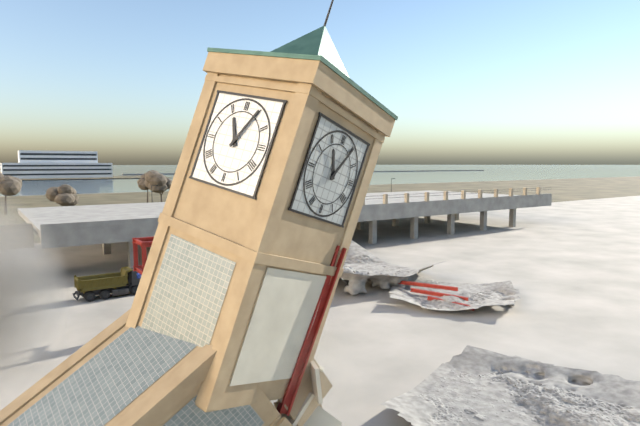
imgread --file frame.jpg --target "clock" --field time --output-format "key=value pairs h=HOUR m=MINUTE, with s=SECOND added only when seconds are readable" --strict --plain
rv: h=11 m=5
